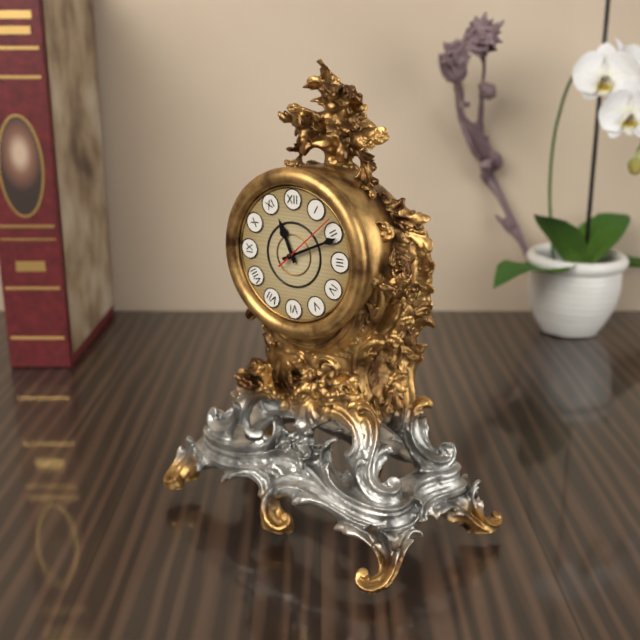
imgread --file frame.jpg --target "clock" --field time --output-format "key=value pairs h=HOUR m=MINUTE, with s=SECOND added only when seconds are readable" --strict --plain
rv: h=11 m=11 s=8
